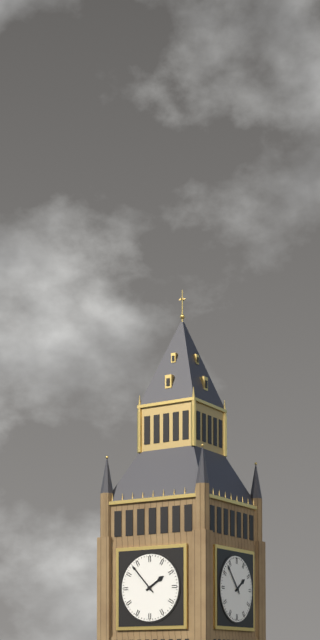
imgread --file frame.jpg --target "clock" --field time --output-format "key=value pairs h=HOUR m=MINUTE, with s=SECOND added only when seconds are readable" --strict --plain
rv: h=1 m=53
